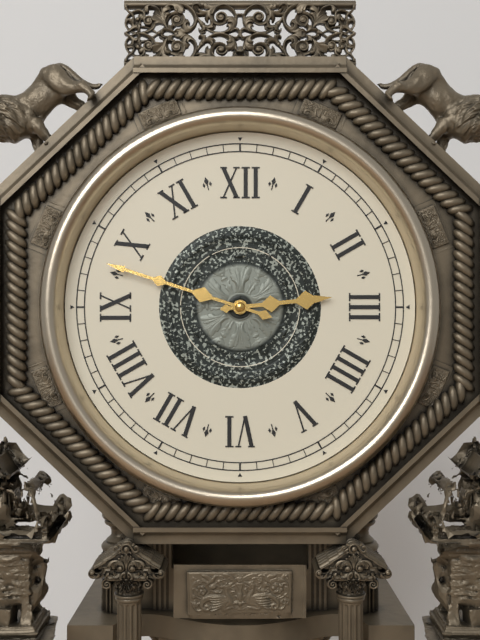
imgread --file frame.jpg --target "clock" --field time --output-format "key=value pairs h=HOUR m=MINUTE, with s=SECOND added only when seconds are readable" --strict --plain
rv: h=2 m=48
